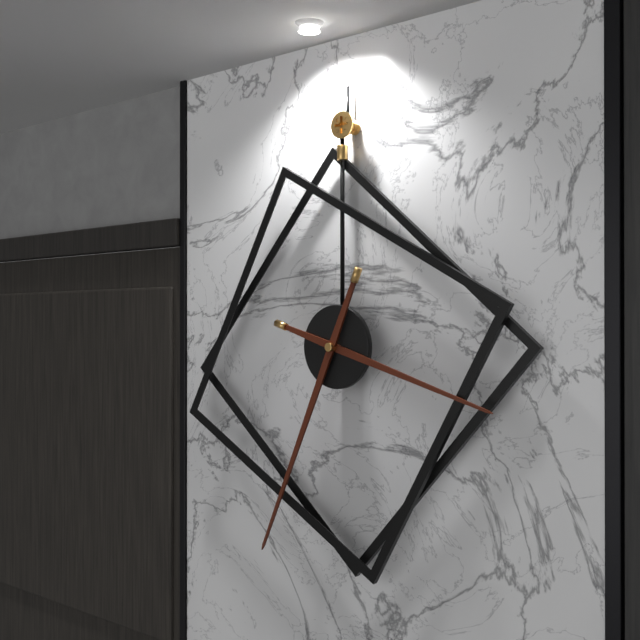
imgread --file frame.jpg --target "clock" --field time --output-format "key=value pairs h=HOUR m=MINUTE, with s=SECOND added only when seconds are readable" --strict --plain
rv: h=3 m=34
